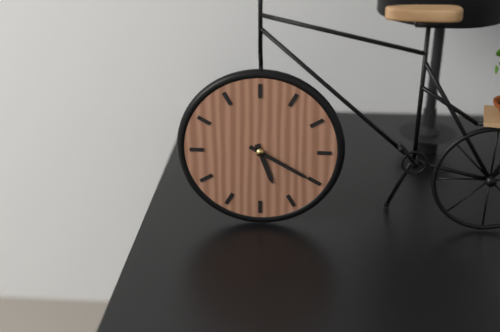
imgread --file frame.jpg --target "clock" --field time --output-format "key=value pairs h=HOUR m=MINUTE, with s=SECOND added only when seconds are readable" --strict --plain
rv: h=5 m=20
